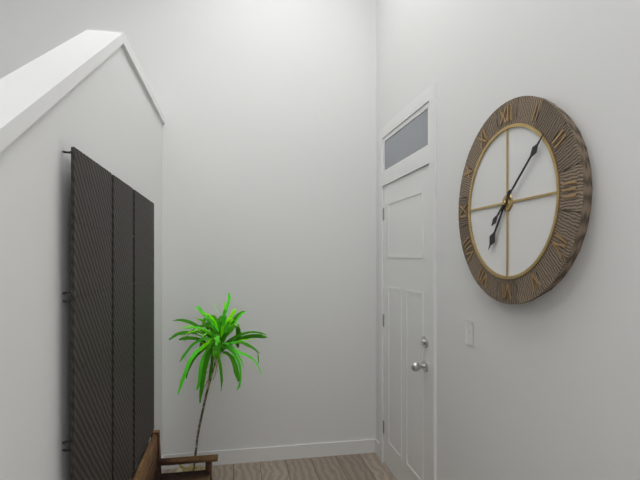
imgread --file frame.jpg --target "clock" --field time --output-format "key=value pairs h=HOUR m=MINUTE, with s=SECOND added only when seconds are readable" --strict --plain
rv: h=7 m=8
